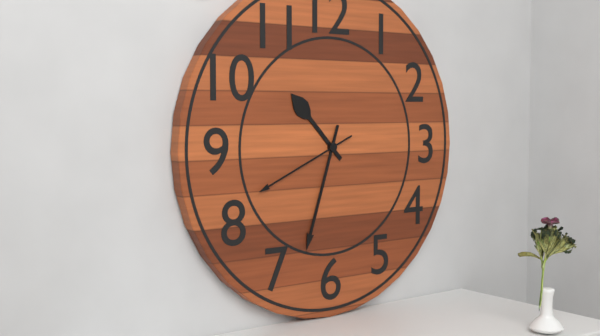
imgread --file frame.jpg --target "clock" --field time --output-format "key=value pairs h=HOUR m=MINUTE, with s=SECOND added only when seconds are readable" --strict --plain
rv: h=10 m=33 s=41
